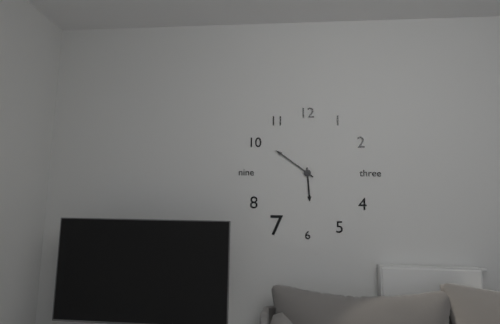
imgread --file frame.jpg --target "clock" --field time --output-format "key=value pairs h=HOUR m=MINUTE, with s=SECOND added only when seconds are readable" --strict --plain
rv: h=5 m=51
